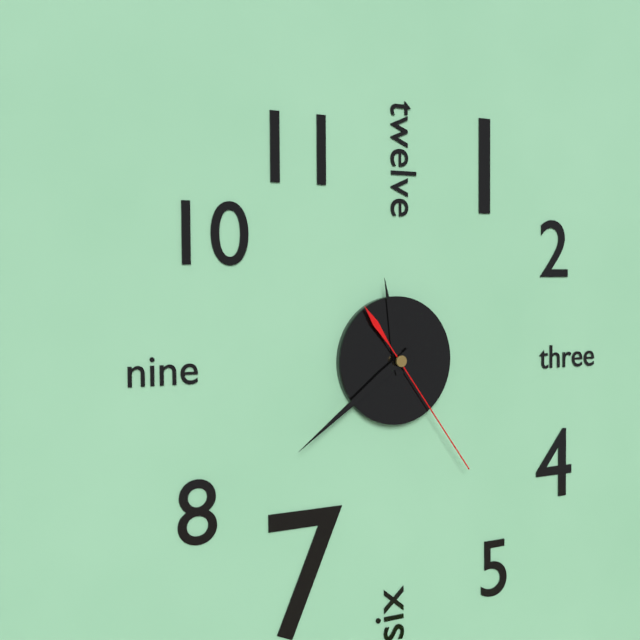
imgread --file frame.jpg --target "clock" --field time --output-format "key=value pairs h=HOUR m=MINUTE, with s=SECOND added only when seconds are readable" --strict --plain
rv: h=11 m=39 s=24
